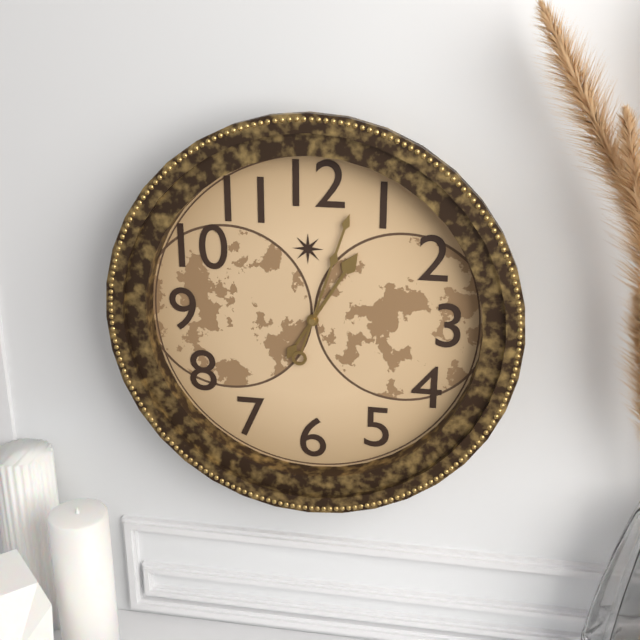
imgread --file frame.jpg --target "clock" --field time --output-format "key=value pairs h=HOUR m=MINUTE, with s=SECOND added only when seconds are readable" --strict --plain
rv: h=1 m=3
